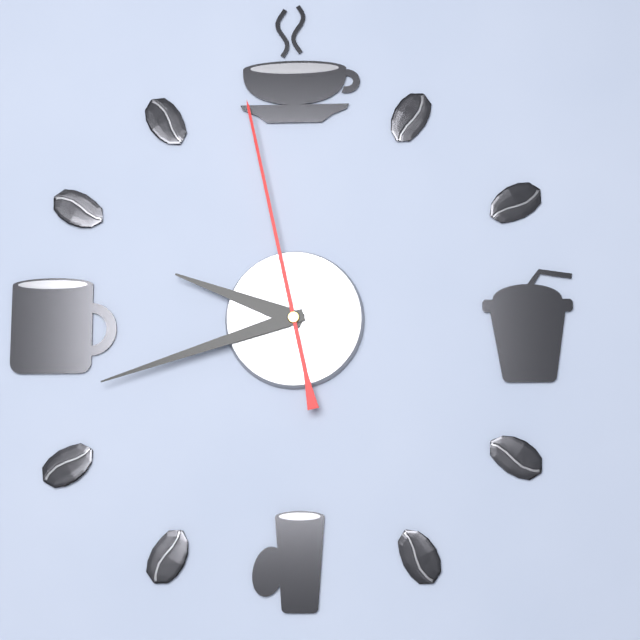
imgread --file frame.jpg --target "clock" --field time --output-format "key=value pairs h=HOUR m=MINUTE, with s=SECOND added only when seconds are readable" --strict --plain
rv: h=9 m=42 s=58
